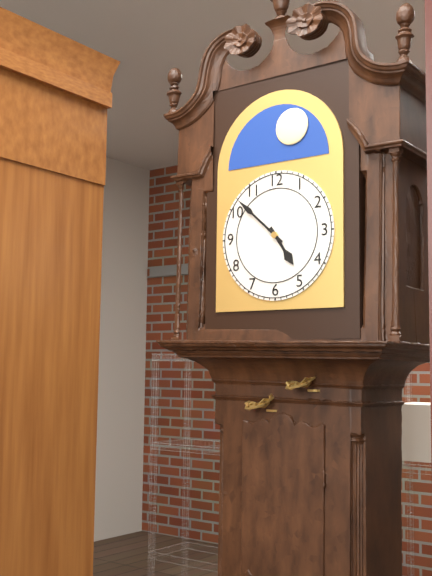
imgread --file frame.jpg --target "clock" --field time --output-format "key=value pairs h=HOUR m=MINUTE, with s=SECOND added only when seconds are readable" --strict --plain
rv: h=4 m=52
